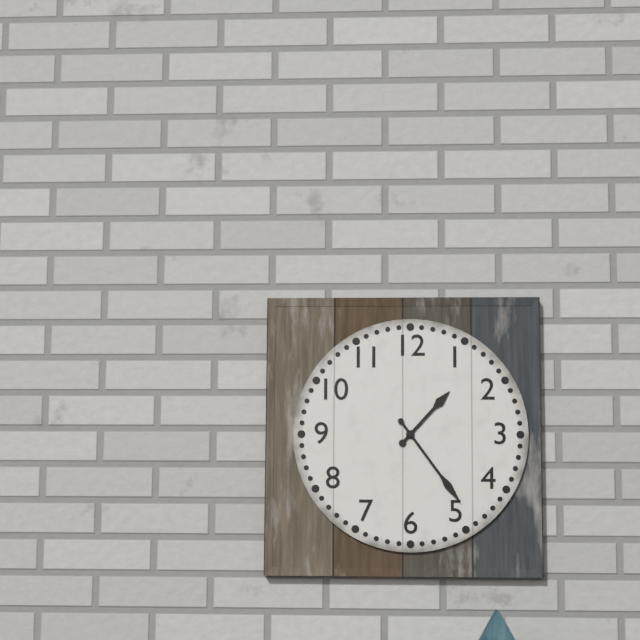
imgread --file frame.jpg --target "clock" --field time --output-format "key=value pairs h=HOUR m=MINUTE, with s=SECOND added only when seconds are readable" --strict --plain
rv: h=1 m=24
